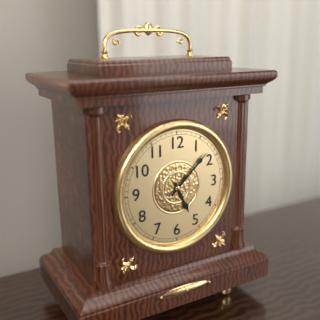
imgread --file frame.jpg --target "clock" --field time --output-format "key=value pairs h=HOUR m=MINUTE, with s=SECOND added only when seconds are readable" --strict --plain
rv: h=5 m=8
